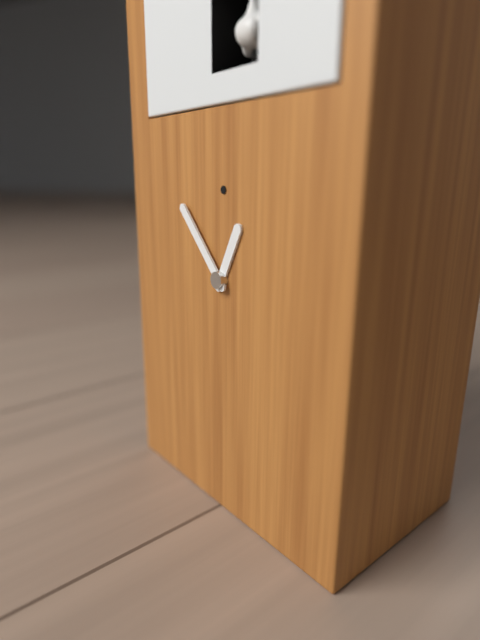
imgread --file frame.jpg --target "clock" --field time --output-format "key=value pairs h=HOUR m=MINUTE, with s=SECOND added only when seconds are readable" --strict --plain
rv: h=12 m=53
